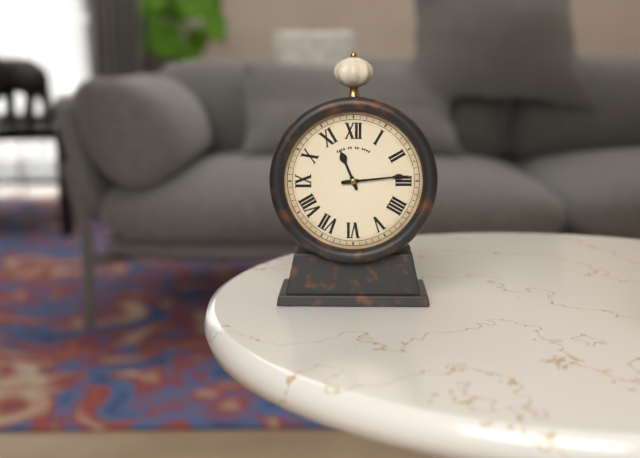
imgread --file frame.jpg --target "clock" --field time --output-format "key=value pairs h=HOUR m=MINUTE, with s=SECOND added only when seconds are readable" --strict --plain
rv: h=11 m=14
